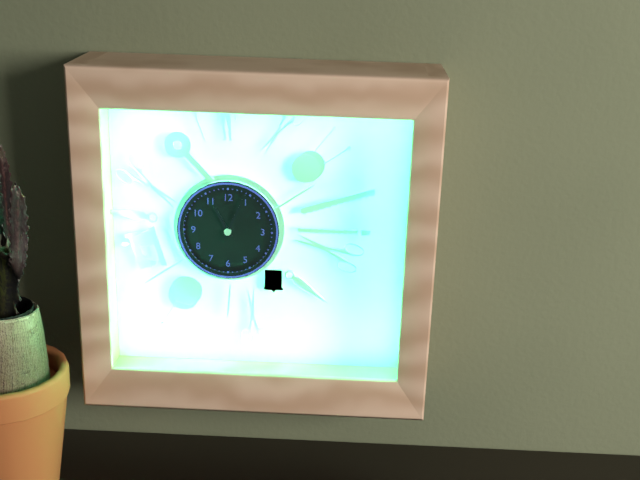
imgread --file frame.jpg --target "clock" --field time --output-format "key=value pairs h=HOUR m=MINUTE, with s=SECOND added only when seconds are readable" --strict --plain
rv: h=11 m=4
